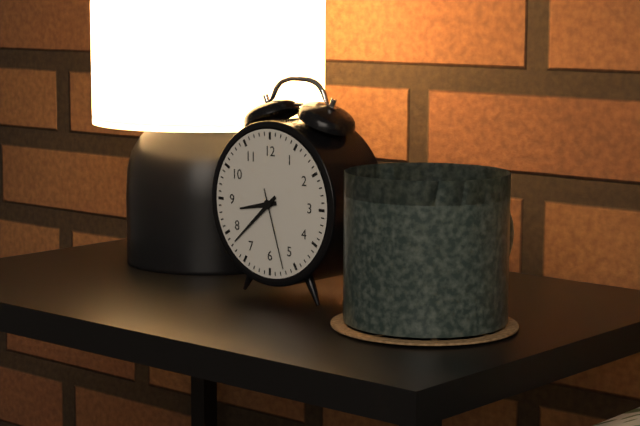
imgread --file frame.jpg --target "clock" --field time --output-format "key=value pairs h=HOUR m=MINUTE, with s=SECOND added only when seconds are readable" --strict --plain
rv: h=8 m=38 s=27
